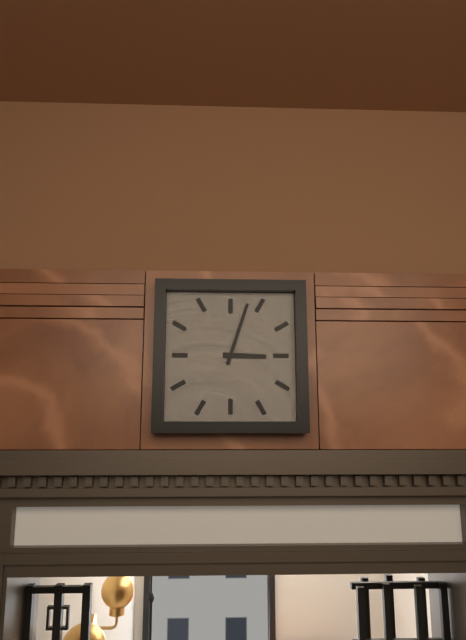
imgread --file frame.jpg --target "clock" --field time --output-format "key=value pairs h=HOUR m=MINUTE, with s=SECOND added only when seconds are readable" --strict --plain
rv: h=3 m=3
